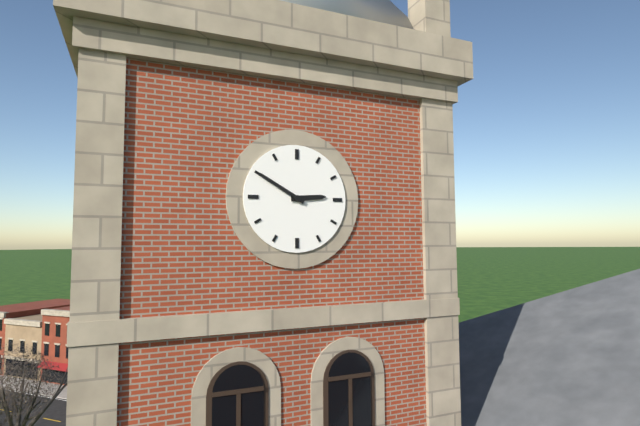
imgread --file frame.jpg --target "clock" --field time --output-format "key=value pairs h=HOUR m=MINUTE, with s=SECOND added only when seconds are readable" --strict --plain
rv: h=2 m=50
